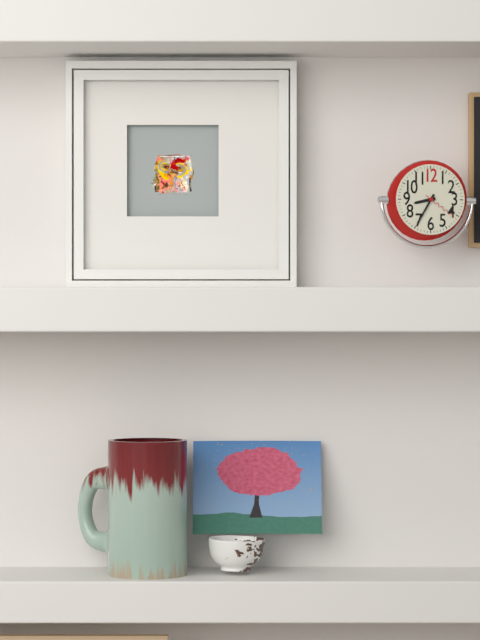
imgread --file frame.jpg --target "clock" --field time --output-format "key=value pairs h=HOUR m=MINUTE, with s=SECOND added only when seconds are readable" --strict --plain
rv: h=8 m=35
